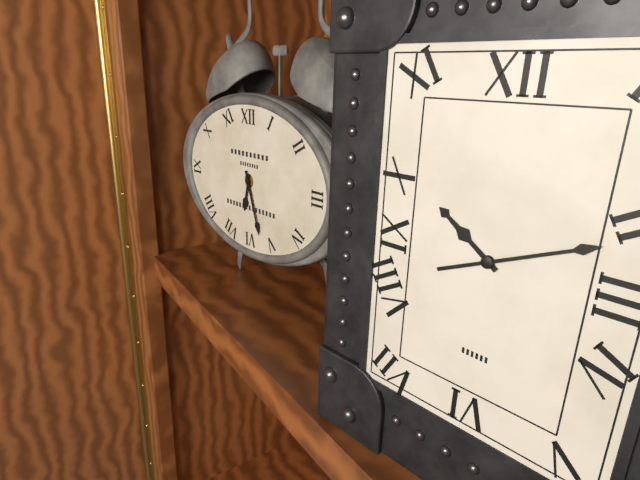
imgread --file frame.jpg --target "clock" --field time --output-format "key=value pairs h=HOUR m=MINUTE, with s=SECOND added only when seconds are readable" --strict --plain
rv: h=6 m=27
